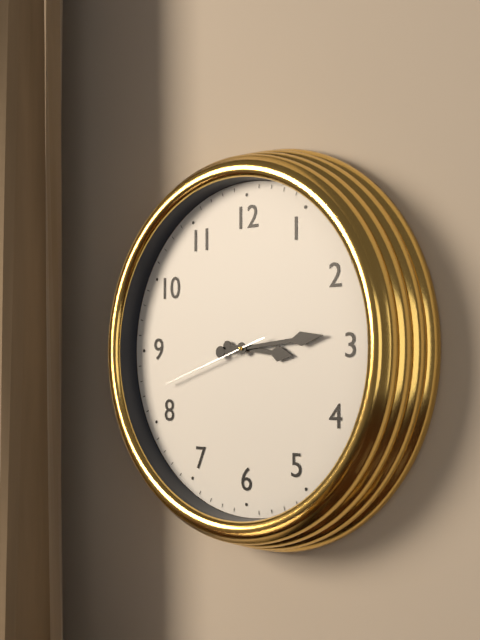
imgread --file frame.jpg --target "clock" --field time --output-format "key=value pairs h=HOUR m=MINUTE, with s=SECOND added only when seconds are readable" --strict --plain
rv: h=3 m=14 s=42
